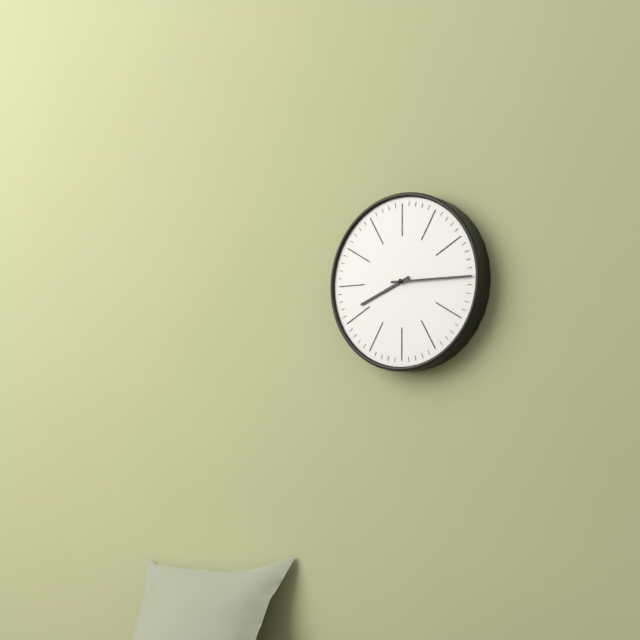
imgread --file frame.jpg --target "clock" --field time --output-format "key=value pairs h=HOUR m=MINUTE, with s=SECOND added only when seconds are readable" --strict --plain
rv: h=8 m=15
